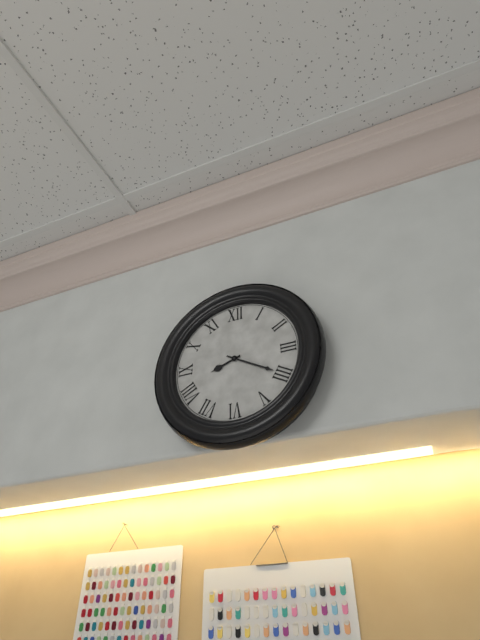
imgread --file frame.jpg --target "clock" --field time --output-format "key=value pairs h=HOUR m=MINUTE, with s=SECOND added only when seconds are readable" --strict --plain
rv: h=8 m=20
